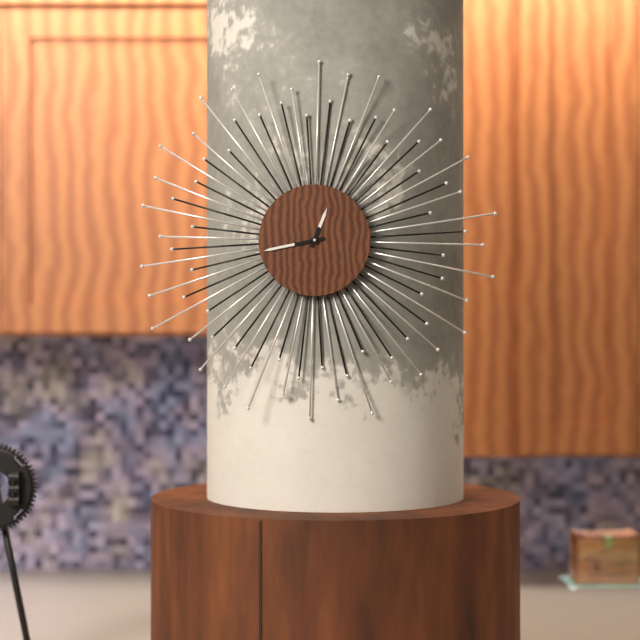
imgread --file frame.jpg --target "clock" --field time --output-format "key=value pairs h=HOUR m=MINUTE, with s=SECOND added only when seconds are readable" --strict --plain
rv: h=12 m=43
